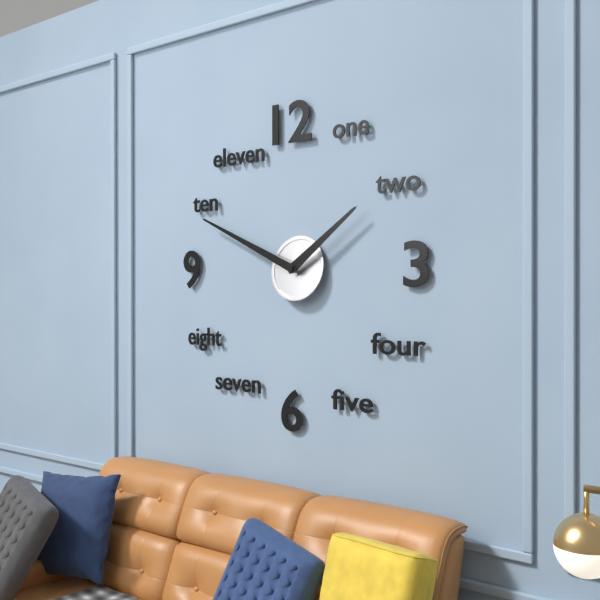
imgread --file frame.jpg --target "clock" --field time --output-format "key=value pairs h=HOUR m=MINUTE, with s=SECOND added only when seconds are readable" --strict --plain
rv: h=1 m=49
